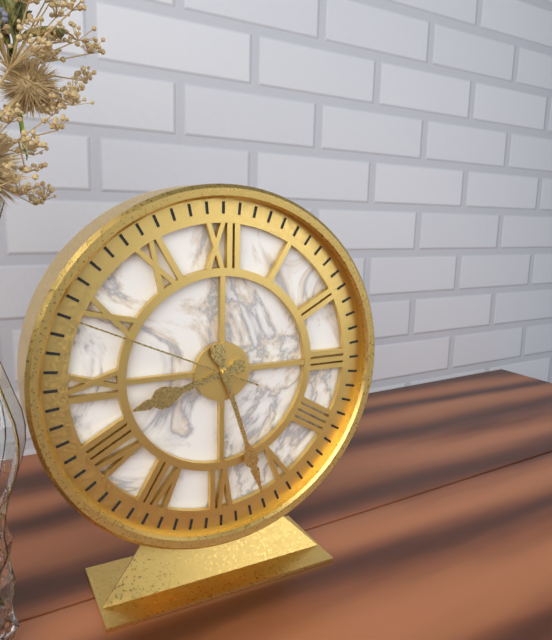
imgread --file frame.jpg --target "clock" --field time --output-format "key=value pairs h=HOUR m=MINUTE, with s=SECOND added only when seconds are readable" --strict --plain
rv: h=8 m=27 s=49
